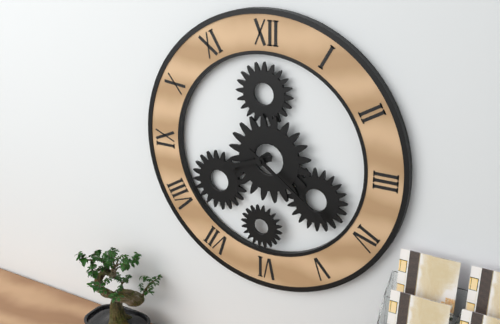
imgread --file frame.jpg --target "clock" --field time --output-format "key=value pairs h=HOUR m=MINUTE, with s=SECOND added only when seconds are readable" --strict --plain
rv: h=8 m=21
